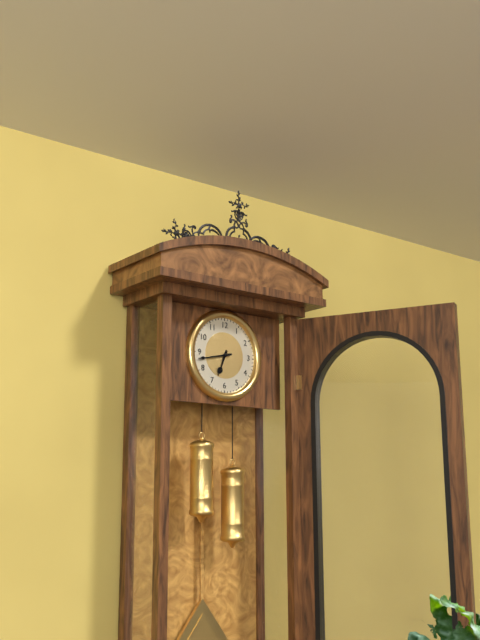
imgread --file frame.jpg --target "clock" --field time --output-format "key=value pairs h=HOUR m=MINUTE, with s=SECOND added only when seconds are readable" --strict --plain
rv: h=6 m=43
